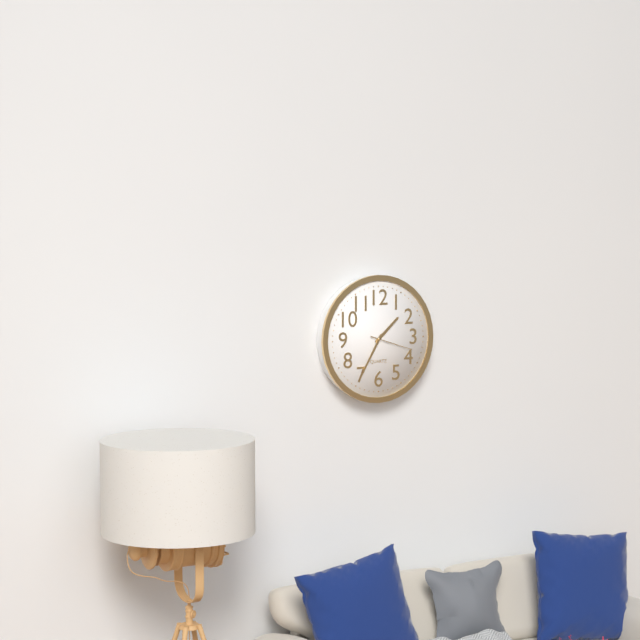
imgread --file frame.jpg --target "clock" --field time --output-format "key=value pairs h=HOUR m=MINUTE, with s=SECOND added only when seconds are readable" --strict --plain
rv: h=1 m=35
